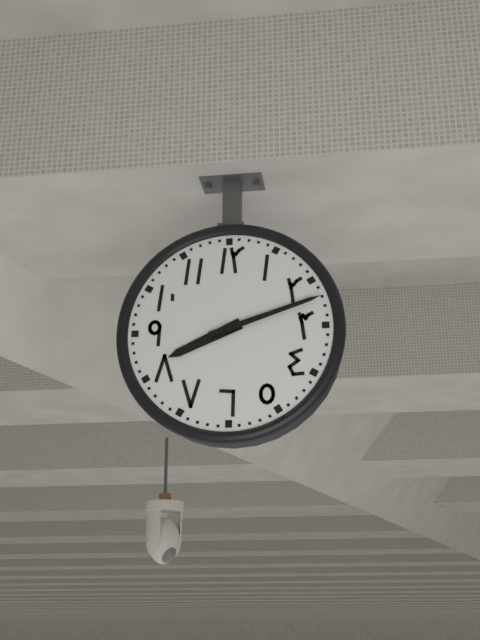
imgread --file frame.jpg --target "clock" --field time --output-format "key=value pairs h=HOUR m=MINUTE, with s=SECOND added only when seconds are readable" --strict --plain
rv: h=8 m=12
